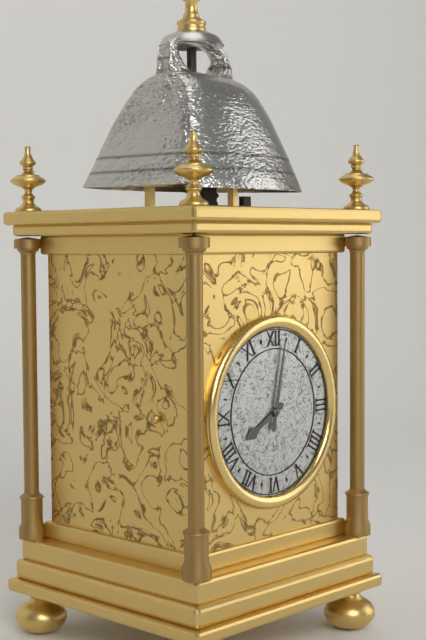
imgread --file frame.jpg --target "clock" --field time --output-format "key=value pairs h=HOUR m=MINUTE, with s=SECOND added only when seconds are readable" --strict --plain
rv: h=8 m=2
